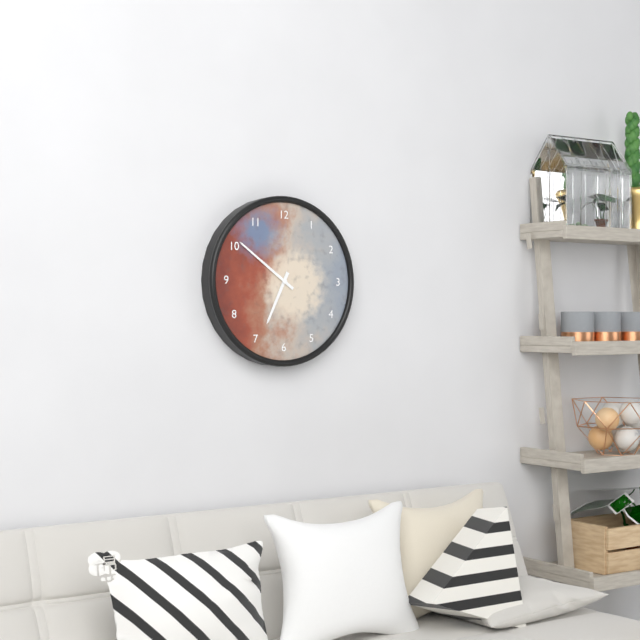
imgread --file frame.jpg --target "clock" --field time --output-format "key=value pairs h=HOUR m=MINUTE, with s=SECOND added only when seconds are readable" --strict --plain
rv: h=6 m=51
